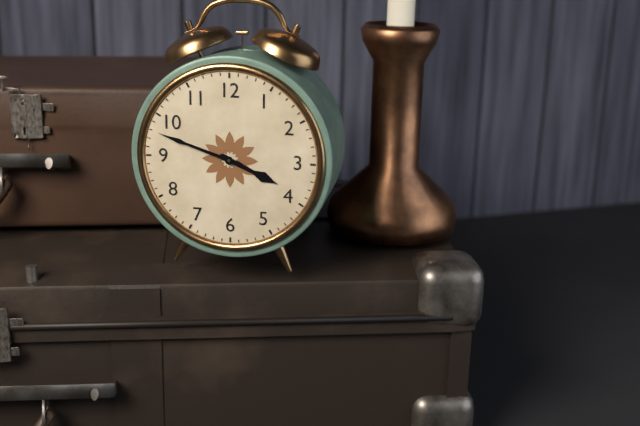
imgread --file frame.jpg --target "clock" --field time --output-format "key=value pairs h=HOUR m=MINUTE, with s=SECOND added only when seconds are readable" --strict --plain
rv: h=3 m=48
